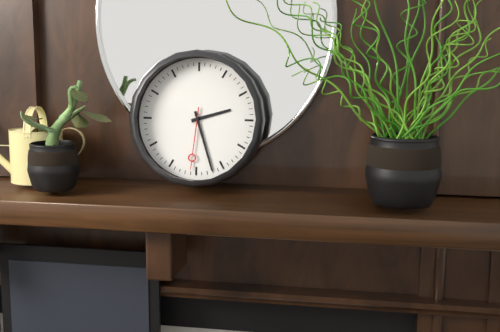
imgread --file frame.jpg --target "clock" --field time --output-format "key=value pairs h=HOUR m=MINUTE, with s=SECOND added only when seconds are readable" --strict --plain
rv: h=2 m=27 s=31
